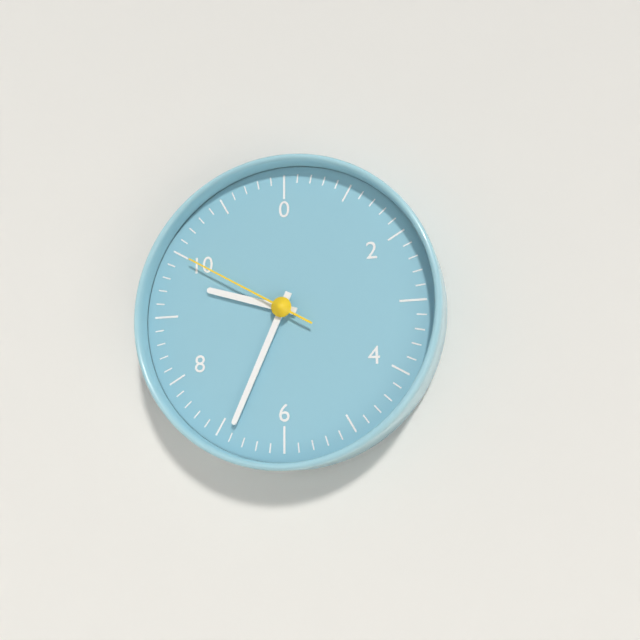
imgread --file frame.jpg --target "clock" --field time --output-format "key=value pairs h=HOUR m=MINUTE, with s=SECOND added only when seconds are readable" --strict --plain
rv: h=9 m=34 s=50
